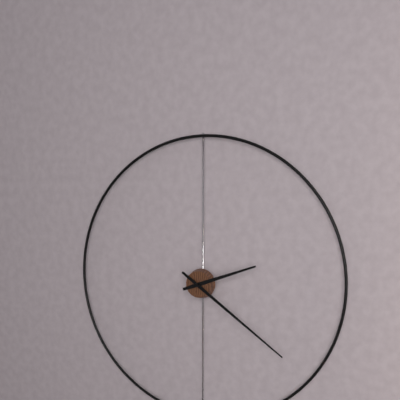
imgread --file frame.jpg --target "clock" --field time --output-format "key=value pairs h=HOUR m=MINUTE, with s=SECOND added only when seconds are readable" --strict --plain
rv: h=2 m=21
